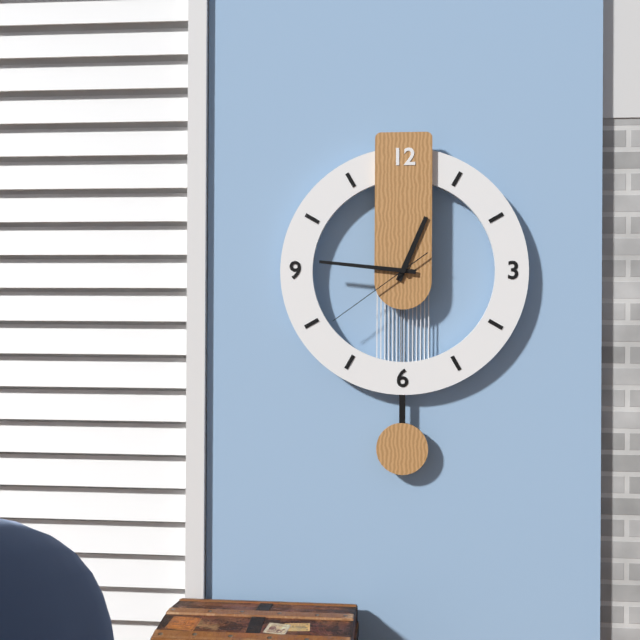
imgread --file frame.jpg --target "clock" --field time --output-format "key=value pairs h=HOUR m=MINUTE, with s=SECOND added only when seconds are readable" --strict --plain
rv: h=12 m=46 s=39
